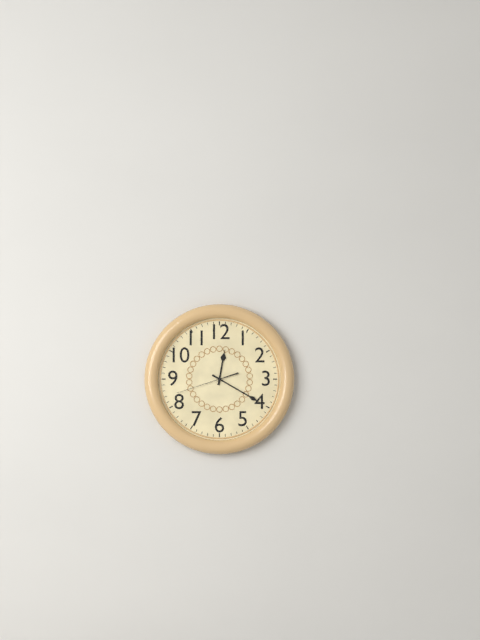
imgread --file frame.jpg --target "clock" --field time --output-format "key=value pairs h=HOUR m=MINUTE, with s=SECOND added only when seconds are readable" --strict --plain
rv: h=12 m=20 s=42
